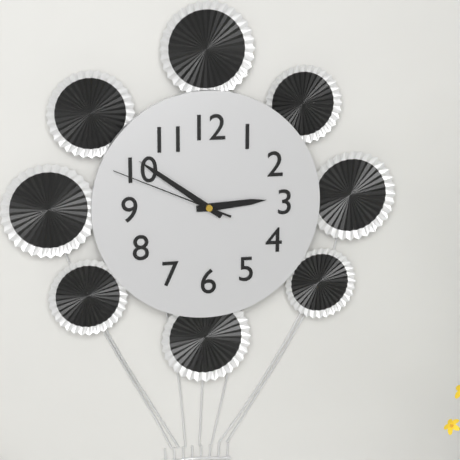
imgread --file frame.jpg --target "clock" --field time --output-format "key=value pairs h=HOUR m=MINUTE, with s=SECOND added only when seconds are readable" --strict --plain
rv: h=2 m=51 s=49
